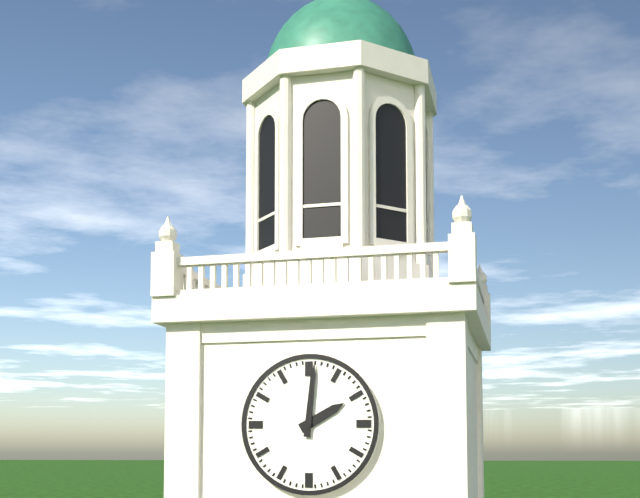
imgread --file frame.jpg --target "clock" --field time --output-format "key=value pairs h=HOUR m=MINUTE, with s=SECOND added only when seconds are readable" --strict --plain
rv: h=2 m=1
